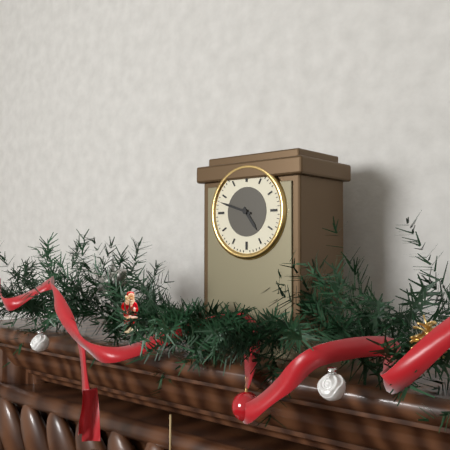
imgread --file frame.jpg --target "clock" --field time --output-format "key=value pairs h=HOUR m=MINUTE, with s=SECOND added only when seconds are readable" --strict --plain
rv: h=4 m=48
